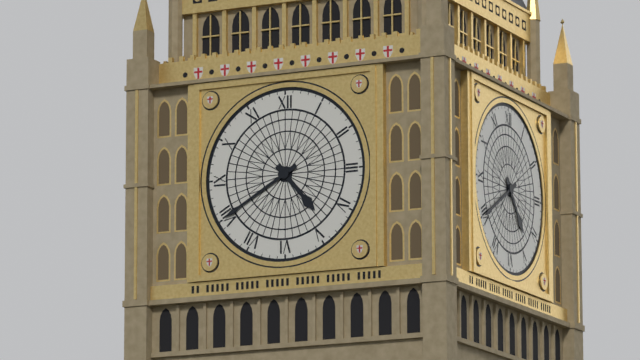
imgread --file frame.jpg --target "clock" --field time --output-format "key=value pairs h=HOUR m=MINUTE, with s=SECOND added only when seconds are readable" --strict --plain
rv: h=4 m=40
